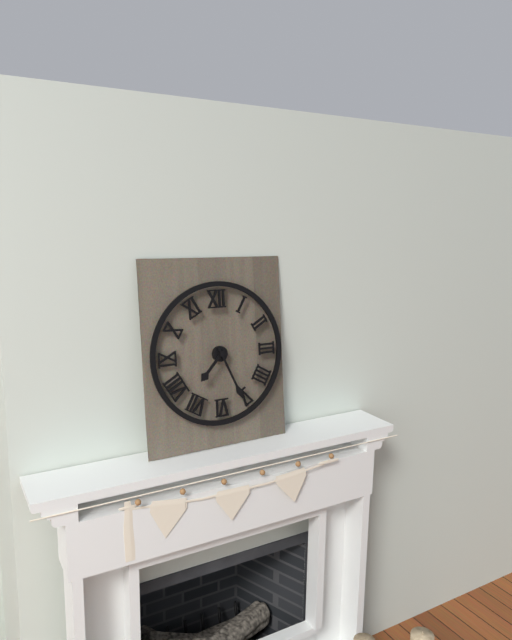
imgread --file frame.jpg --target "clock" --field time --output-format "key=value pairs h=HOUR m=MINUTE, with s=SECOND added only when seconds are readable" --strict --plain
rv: h=7 m=26
